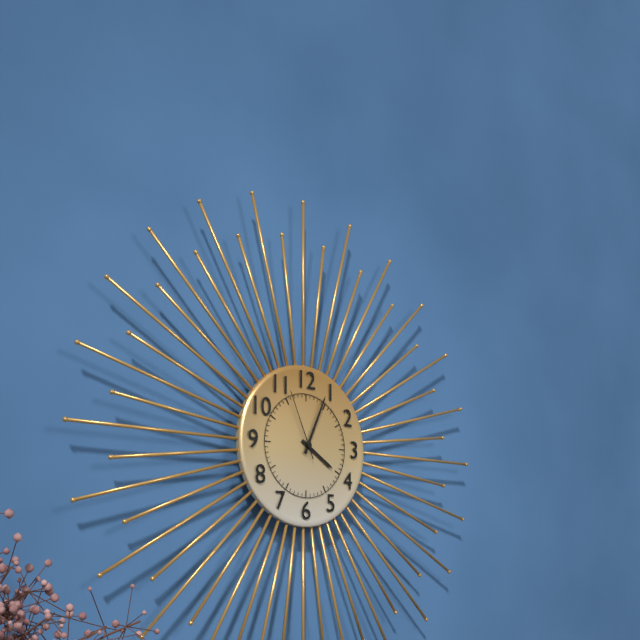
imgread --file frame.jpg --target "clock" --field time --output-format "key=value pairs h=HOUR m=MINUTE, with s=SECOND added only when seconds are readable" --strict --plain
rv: h=4 m=4 s=56
